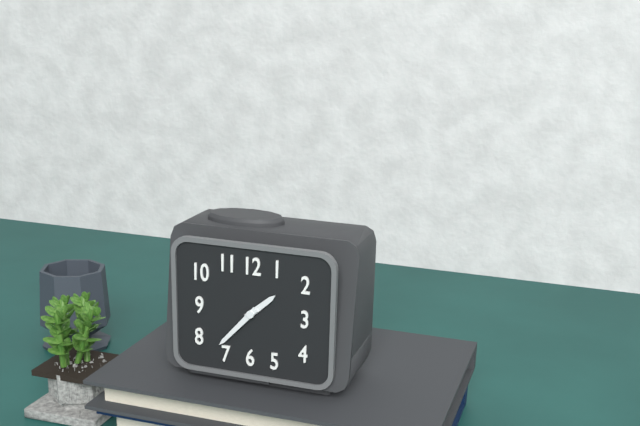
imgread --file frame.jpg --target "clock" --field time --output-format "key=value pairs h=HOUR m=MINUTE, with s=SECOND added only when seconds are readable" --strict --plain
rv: h=1 m=37
